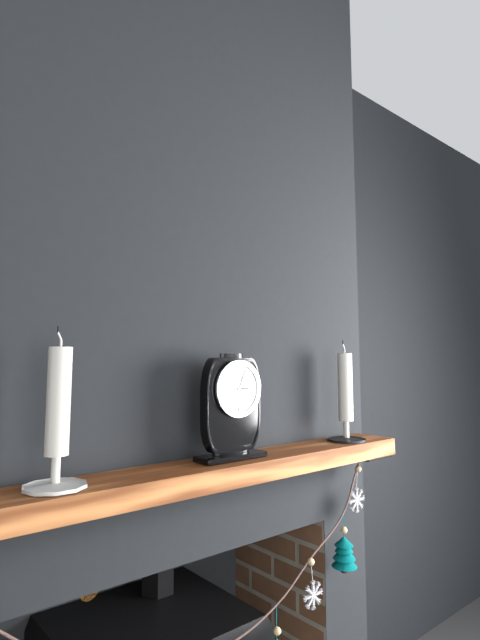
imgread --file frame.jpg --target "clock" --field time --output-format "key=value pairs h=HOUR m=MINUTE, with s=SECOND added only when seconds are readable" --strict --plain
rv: h=3 m=4
